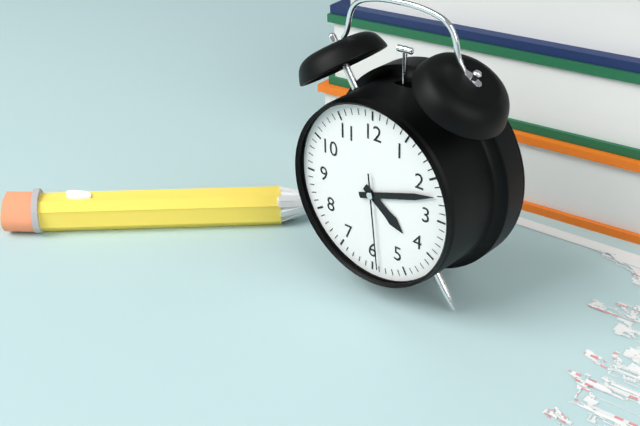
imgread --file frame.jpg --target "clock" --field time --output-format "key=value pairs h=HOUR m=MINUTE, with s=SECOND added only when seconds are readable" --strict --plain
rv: h=4 m=12 s=29
